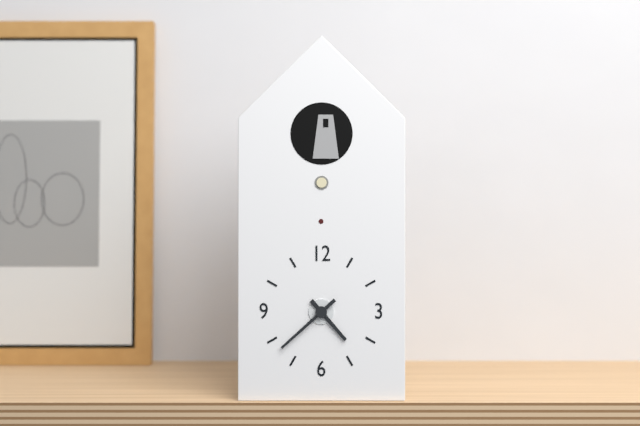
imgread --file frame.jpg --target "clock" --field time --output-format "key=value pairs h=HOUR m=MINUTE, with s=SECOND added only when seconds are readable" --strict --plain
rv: h=4 m=38
